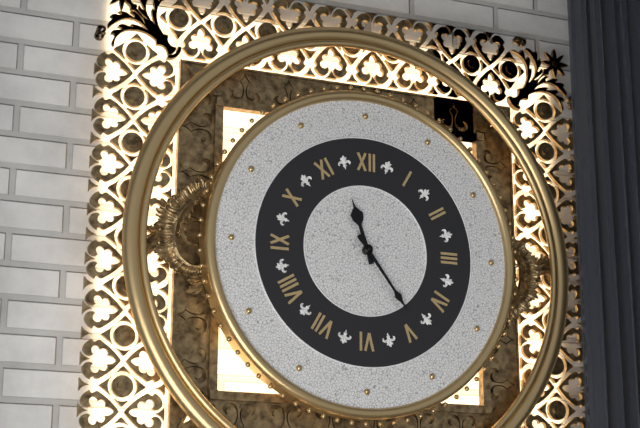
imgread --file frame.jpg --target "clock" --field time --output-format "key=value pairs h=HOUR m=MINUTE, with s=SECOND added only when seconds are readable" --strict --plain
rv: h=11 m=24
